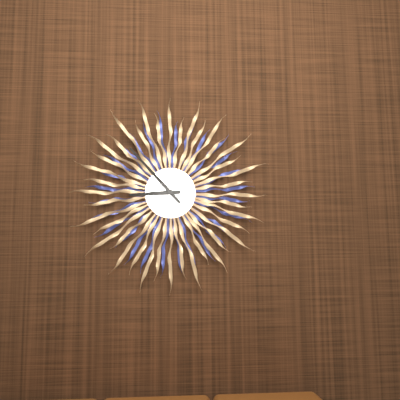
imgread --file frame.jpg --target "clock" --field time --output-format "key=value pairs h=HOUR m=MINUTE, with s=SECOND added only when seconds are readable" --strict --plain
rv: h=8 m=53
